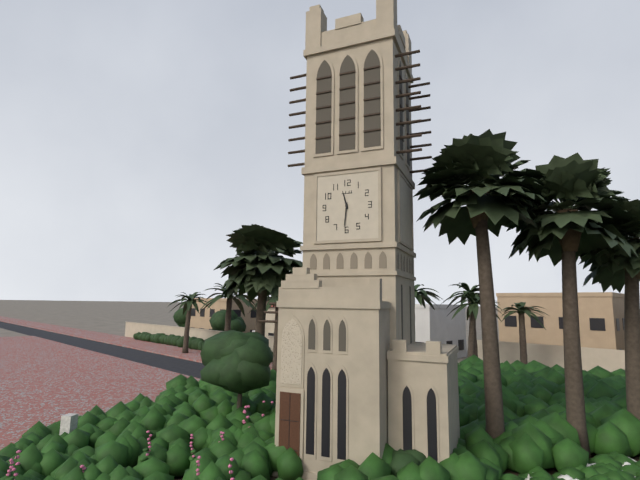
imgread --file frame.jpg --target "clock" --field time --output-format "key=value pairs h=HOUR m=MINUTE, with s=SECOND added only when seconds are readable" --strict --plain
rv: h=11 m=31
